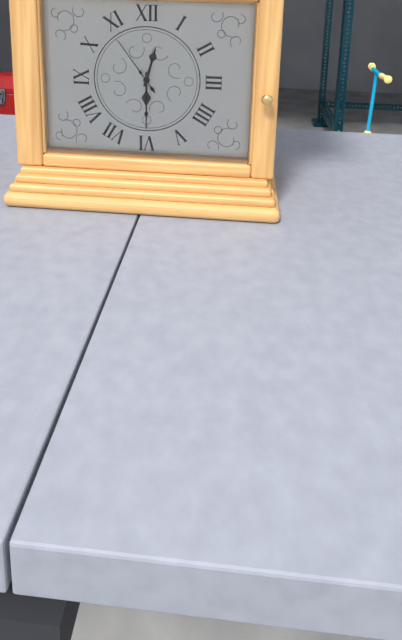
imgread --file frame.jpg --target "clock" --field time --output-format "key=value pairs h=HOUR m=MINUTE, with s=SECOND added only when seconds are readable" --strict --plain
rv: h=12 m=30 s=54
